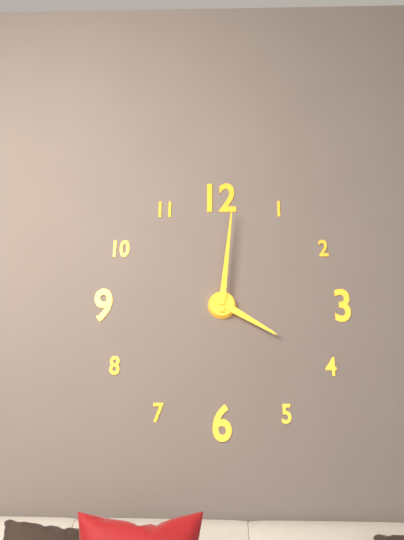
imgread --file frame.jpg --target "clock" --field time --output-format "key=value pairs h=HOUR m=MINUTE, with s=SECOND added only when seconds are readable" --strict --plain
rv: h=4 m=1
